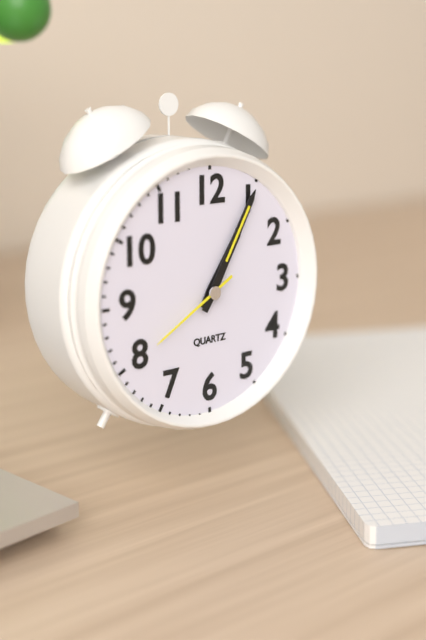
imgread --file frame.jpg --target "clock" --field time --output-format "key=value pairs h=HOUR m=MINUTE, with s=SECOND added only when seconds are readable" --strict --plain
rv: h=1 m=5 s=40
